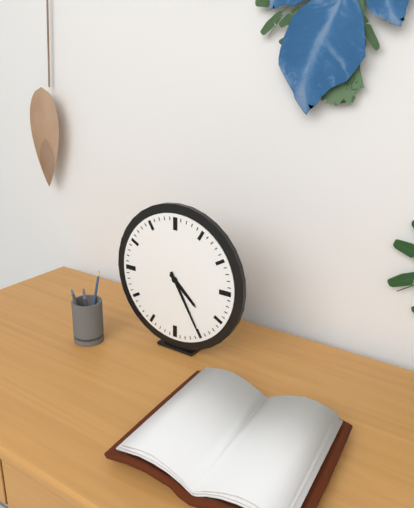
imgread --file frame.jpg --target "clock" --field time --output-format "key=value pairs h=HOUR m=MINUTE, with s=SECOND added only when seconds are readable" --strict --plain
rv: h=4 m=25
